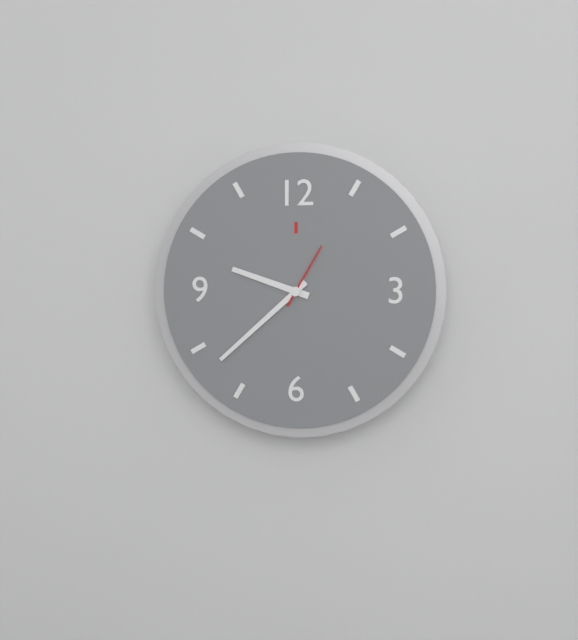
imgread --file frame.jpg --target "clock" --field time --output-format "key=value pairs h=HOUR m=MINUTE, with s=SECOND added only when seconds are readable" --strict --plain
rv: h=9 m=38 s=5
